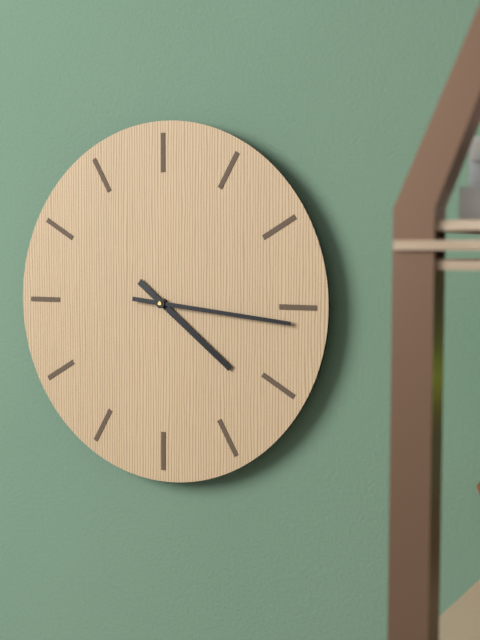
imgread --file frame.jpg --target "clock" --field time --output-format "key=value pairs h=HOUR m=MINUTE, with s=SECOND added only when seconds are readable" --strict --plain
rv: h=4 m=16
